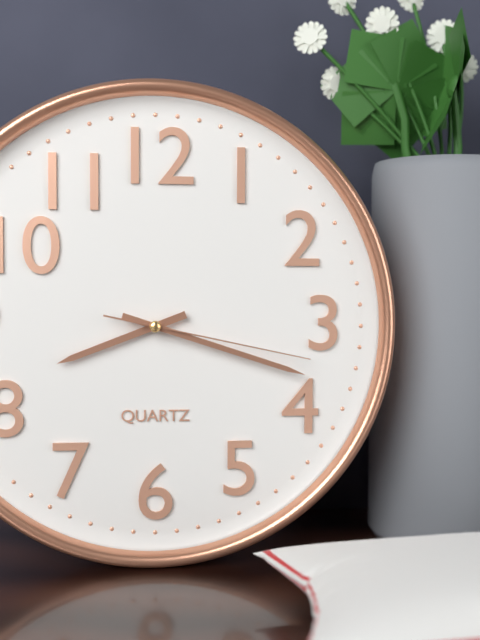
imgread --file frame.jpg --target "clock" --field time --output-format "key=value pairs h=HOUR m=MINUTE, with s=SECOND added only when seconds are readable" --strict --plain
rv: h=8 m=18 s=17
